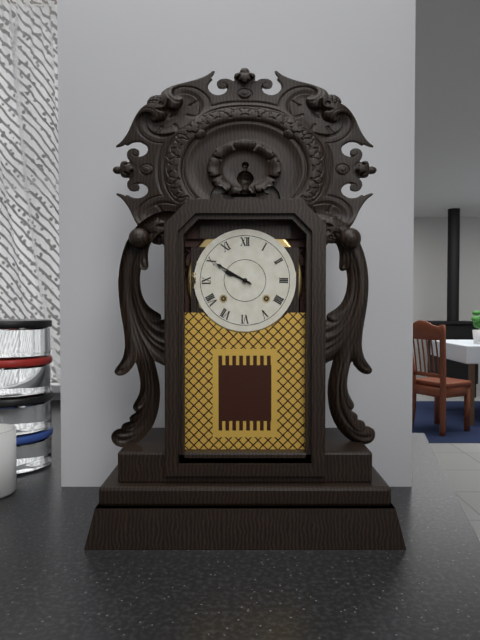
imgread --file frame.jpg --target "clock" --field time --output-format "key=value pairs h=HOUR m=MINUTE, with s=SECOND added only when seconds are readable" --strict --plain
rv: h=9 m=50
